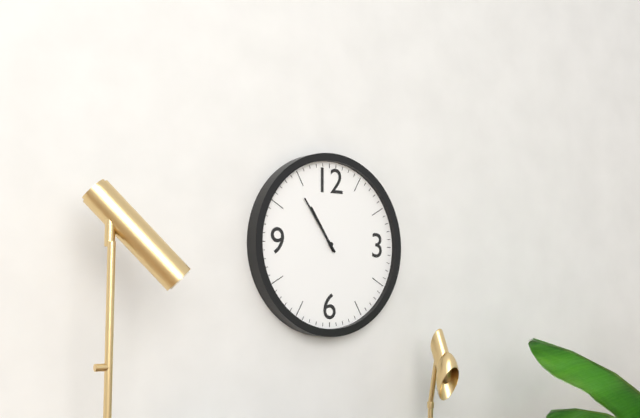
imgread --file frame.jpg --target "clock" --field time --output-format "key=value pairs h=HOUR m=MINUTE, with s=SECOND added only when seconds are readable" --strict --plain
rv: h=10 m=54
